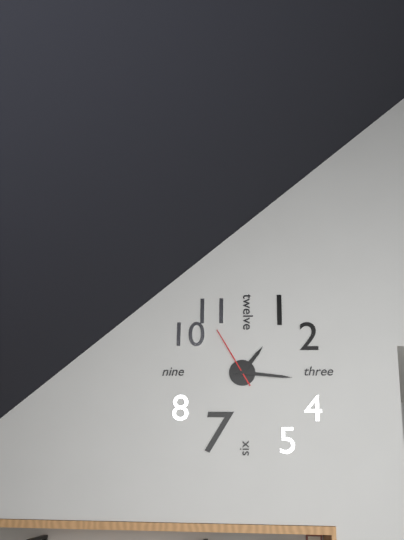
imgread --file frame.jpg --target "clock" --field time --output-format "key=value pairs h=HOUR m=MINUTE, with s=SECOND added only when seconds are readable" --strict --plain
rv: h=1 m=16 s=55
